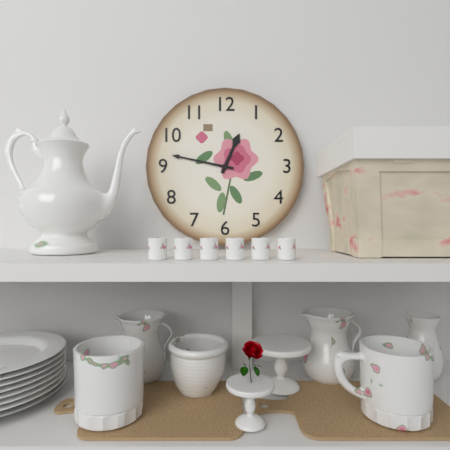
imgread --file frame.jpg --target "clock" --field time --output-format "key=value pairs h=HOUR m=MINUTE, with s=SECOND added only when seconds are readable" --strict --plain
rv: h=12 m=47
